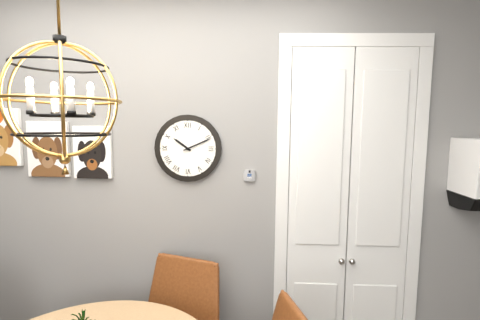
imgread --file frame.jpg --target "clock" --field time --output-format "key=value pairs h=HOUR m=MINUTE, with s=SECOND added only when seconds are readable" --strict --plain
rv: h=10 m=11
